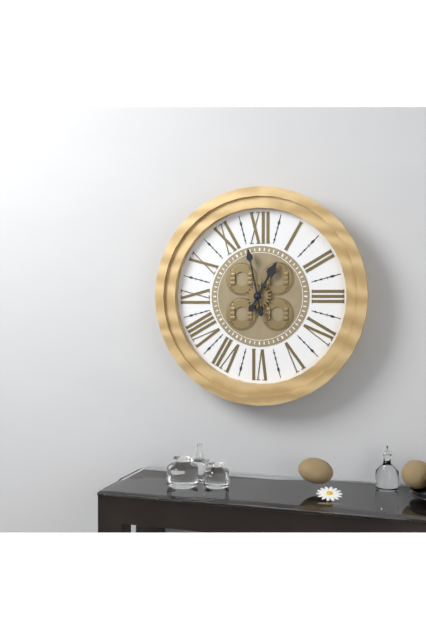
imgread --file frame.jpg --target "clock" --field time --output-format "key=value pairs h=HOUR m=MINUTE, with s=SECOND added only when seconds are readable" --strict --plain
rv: h=12 m=58
